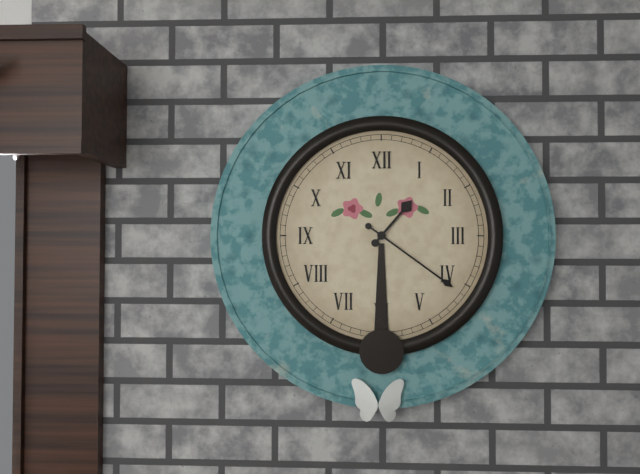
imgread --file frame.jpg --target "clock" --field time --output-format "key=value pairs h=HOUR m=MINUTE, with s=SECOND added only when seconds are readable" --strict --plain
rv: h=1 m=21
